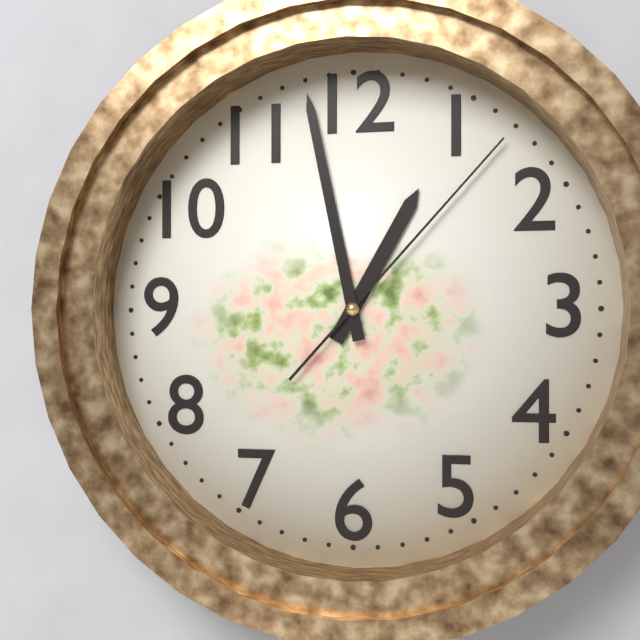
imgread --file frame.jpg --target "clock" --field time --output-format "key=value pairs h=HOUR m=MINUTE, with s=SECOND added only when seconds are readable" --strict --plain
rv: h=12 m=58 s=7
